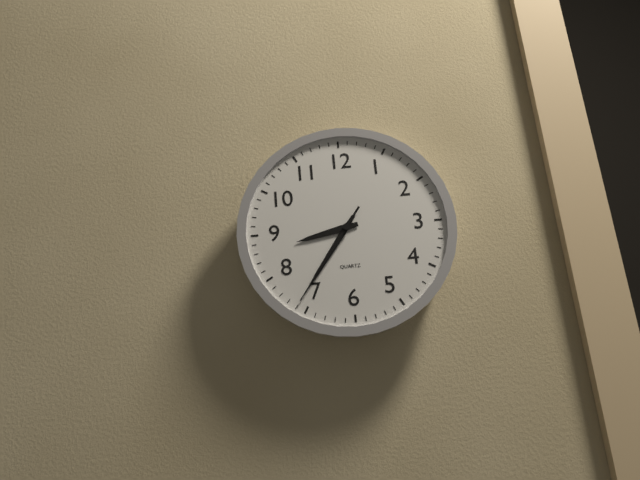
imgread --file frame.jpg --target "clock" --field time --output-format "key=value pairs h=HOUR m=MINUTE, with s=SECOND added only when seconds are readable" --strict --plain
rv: h=8 m=36 s=36
